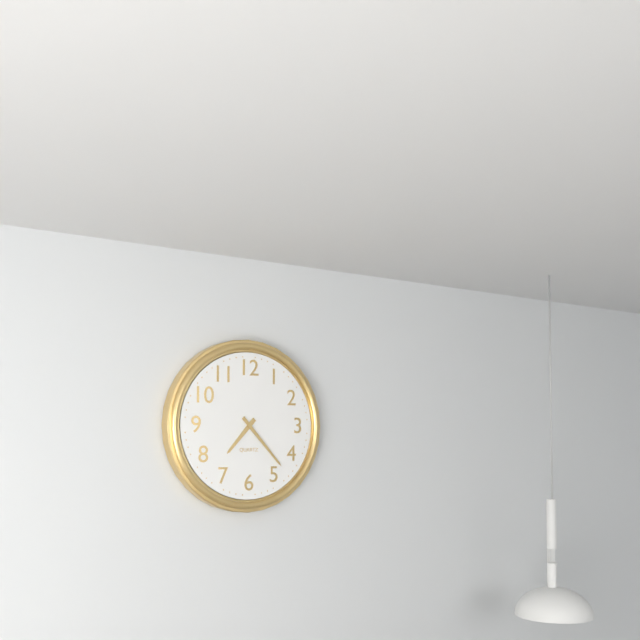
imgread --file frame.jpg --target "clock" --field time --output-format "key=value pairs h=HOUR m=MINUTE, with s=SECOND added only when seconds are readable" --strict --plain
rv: h=7 m=23
